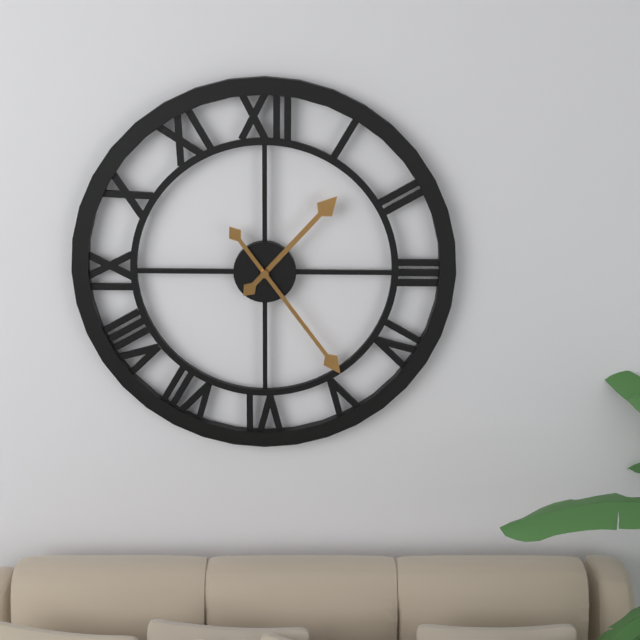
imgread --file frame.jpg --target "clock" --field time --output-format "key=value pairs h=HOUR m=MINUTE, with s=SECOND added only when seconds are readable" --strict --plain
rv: h=1 m=24
